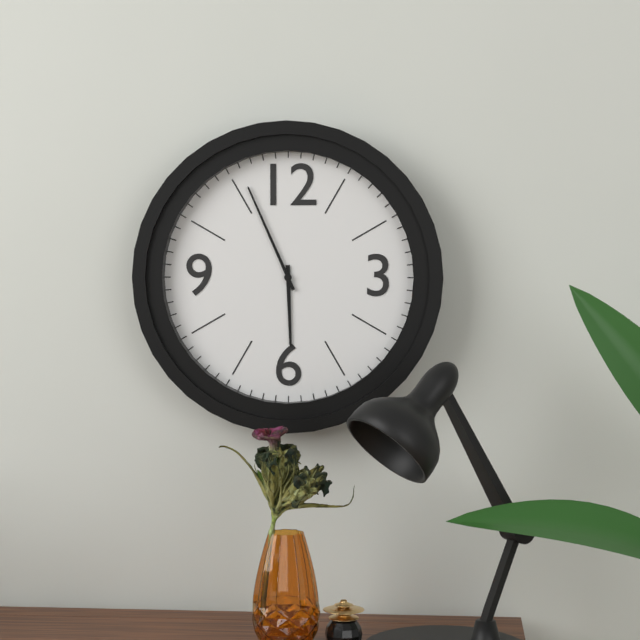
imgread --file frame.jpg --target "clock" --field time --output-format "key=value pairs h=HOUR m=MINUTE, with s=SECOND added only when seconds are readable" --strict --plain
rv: h=5 m=56
